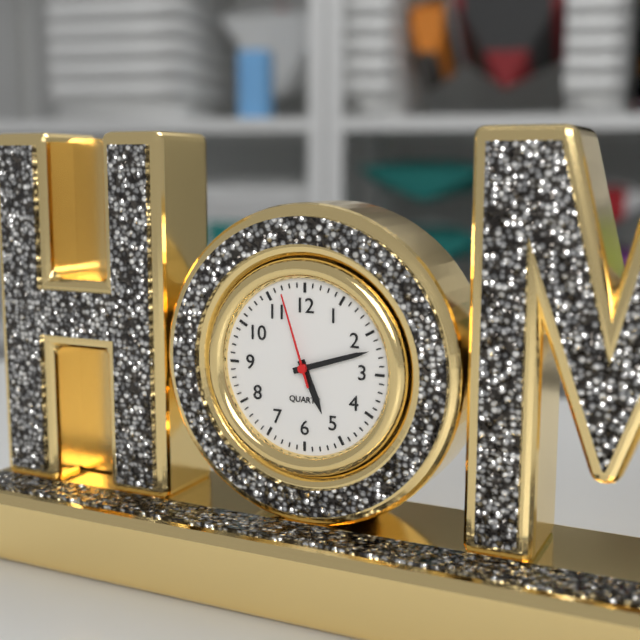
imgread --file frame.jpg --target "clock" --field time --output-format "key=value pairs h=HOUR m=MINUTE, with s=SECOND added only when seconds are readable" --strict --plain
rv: h=5 m=12 s=57
